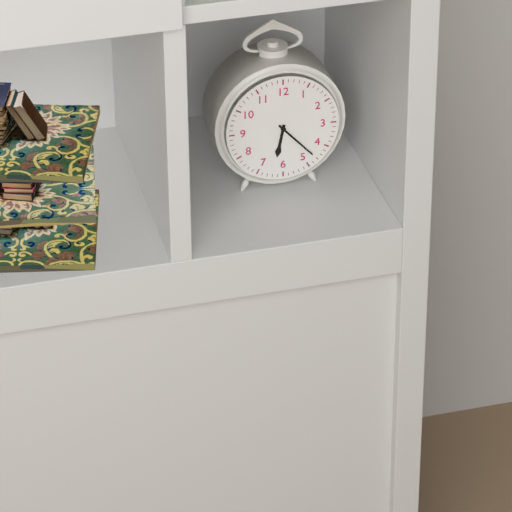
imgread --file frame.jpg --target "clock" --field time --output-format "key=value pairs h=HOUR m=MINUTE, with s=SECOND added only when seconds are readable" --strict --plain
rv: h=6 m=23
